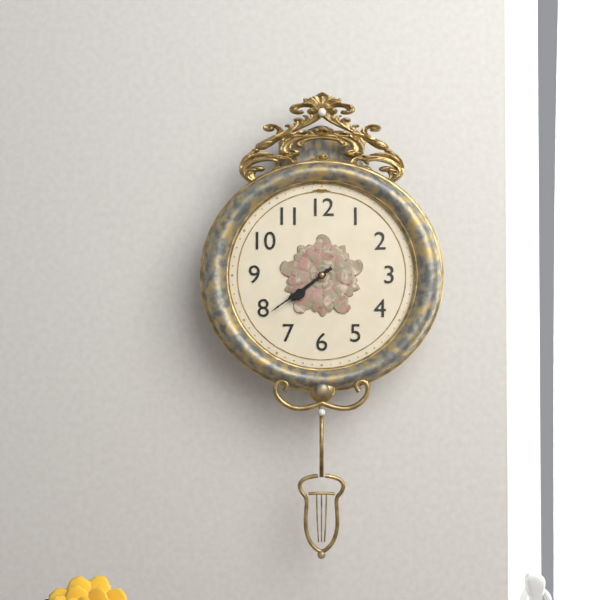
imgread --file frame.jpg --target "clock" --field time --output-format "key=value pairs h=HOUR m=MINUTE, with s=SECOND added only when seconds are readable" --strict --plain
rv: h=7 m=39
